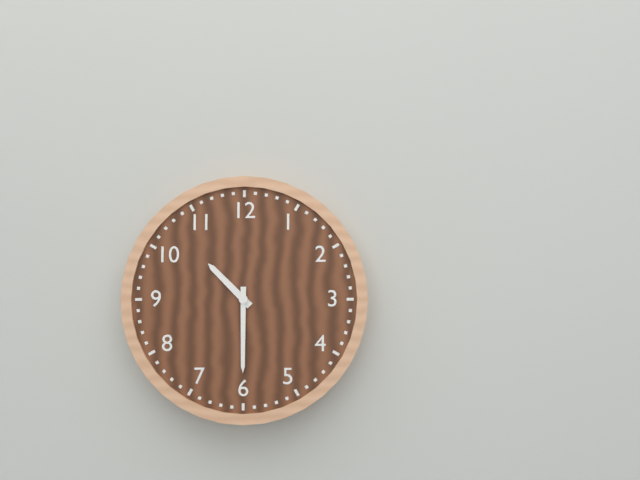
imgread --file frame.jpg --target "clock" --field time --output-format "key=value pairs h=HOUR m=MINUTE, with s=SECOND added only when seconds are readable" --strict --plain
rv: h=10 m=30
